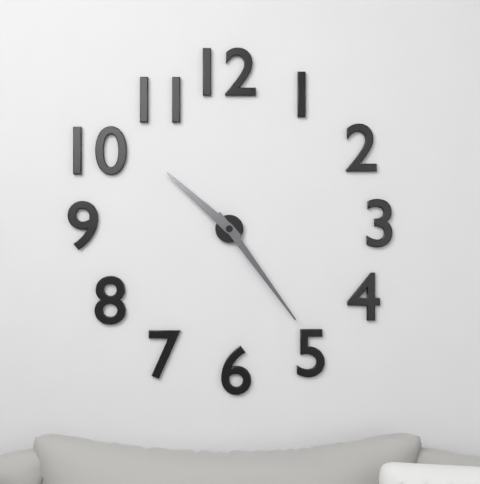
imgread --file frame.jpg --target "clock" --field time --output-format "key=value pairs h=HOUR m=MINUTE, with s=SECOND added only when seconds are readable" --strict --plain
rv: h=10 m=24
